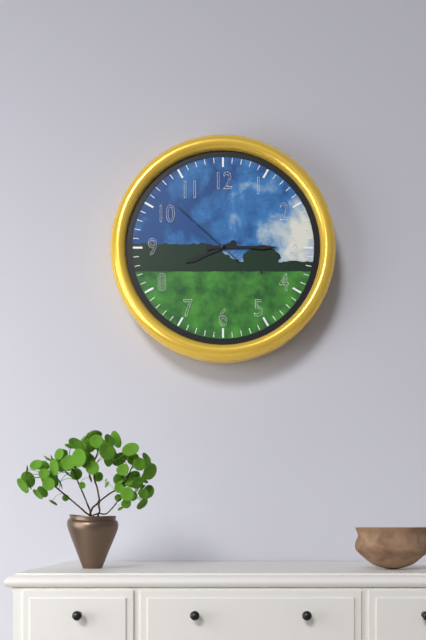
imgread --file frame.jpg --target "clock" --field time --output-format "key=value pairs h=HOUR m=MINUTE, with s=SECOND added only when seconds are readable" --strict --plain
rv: h=8 m=15 s=52
